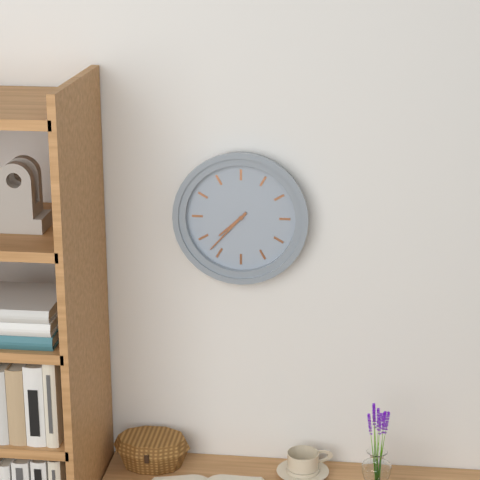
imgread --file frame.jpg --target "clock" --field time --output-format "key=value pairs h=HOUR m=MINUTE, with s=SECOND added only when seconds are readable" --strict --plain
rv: h=7 m=37
